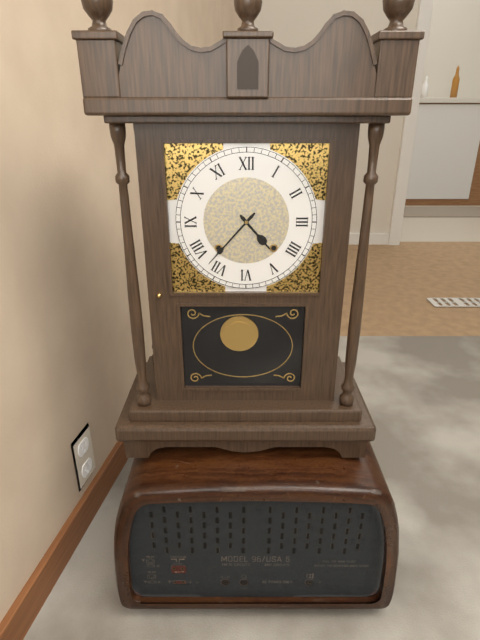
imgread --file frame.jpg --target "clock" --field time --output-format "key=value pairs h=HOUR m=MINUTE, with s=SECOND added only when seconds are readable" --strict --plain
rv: h=4 m=37
